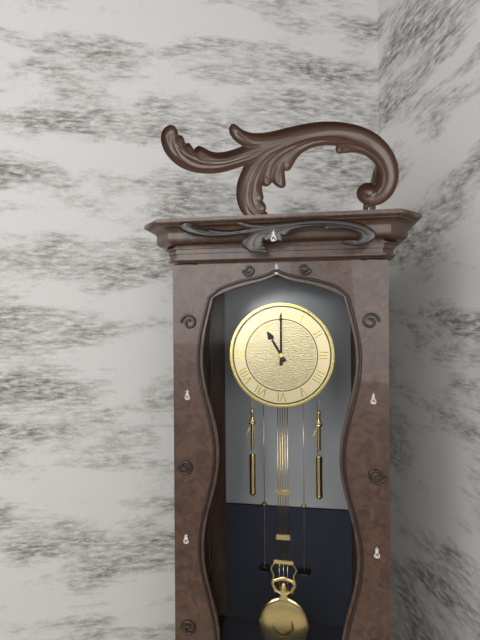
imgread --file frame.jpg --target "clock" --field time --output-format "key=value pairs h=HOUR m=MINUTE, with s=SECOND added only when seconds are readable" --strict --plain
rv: h=11 m=0
